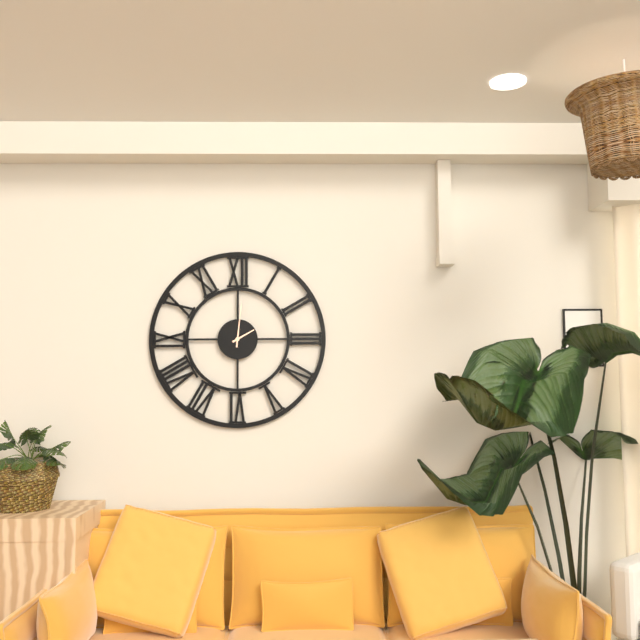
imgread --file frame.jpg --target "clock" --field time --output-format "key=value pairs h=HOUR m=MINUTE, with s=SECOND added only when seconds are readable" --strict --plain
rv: h=2 m=1
